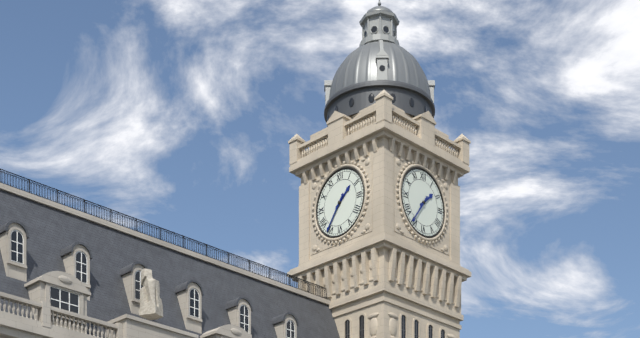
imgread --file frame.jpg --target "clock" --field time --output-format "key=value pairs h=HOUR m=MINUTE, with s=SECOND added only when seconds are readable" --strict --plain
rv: h=1 m=36
